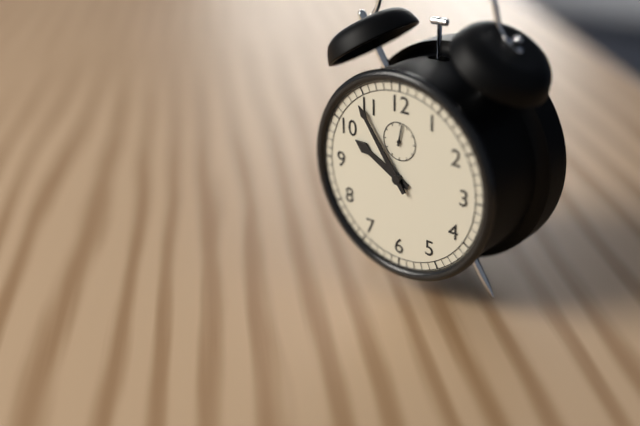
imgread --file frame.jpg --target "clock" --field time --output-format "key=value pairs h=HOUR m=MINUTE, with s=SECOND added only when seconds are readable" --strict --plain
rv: h=9 m=54
